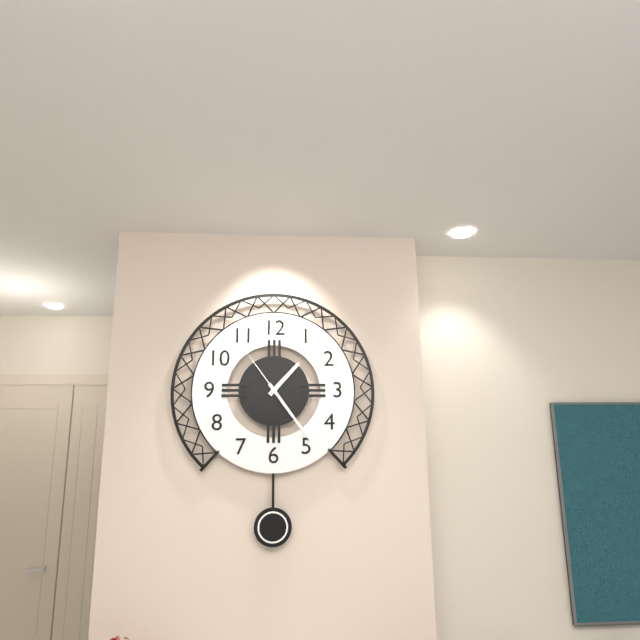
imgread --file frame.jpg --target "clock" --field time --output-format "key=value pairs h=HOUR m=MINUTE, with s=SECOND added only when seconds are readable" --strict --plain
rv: h=1 m=24 s=54
